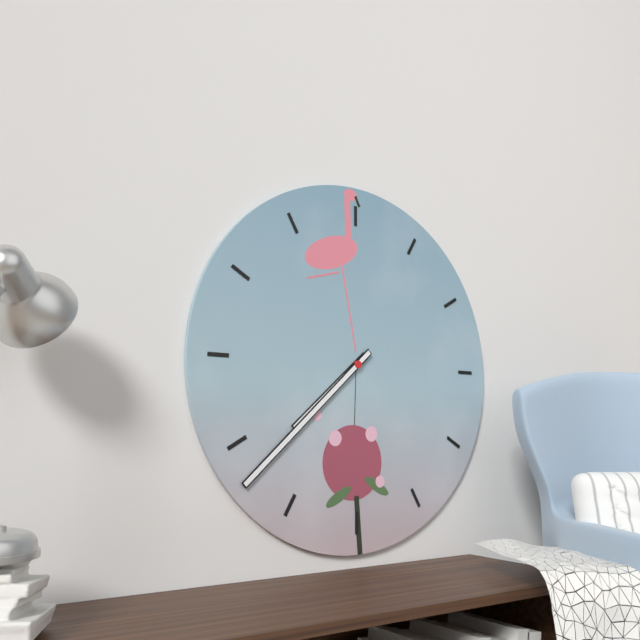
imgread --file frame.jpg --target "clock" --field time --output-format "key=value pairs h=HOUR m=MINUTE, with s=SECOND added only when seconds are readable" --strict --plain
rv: h=7 m=38
